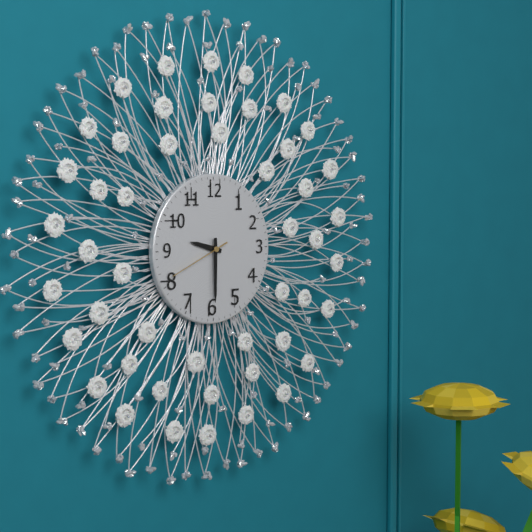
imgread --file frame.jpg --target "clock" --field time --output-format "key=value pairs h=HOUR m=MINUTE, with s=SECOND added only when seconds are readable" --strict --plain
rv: h=9 m=30 s=41
